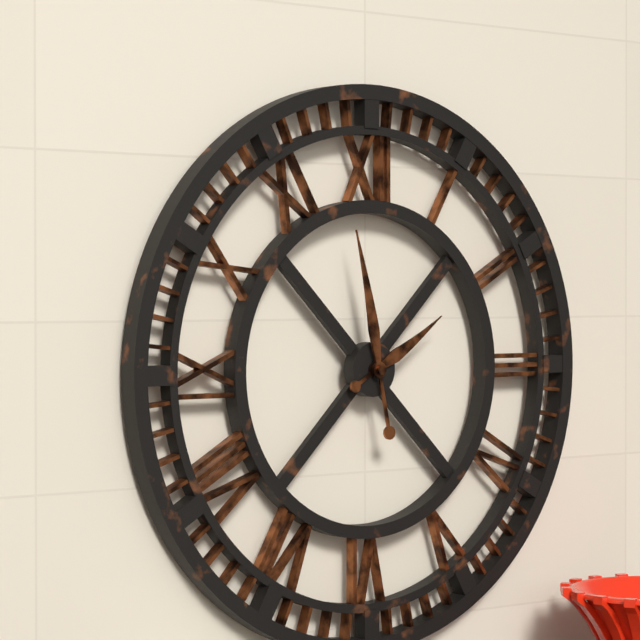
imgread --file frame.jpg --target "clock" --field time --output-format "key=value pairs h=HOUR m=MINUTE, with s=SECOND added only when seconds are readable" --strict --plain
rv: h=1 m=58
